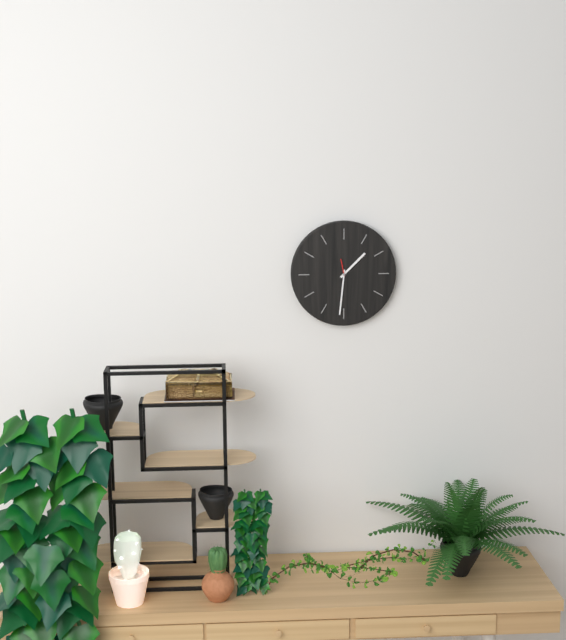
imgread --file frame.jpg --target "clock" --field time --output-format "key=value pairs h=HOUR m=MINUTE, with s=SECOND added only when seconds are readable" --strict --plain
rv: h=1 m=31
